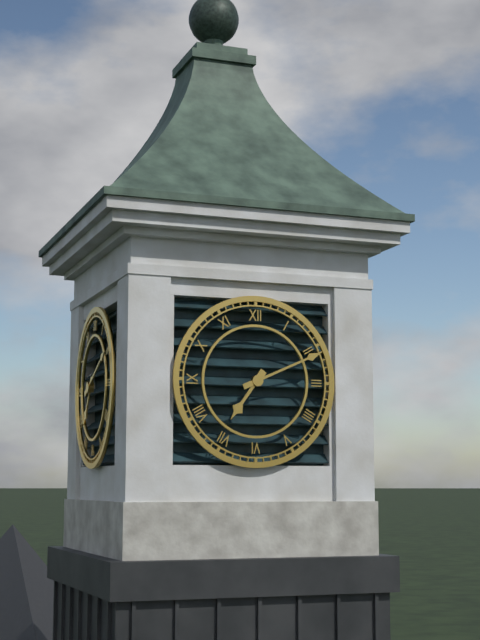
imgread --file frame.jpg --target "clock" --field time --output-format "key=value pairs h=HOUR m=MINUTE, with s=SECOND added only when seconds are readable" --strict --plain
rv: h=7 m=11
